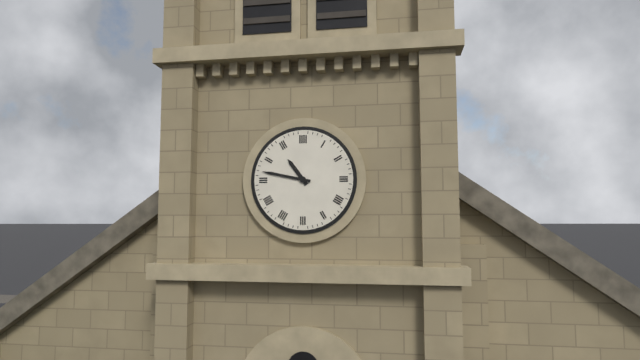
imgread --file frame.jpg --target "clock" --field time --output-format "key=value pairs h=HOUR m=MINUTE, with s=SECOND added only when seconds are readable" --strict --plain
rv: h=10 m=47
